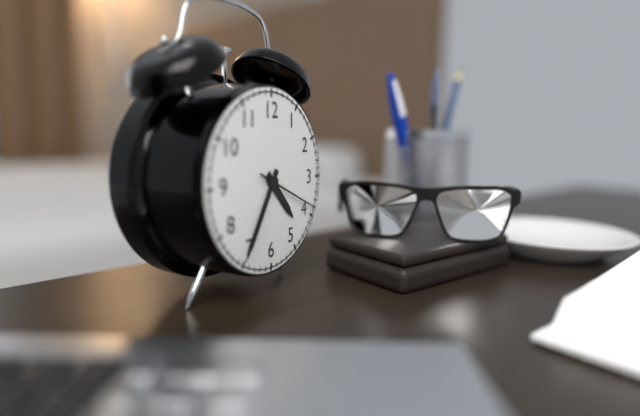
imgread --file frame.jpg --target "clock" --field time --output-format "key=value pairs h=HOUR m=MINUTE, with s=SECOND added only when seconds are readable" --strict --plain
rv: h=4 m=35 s=19
